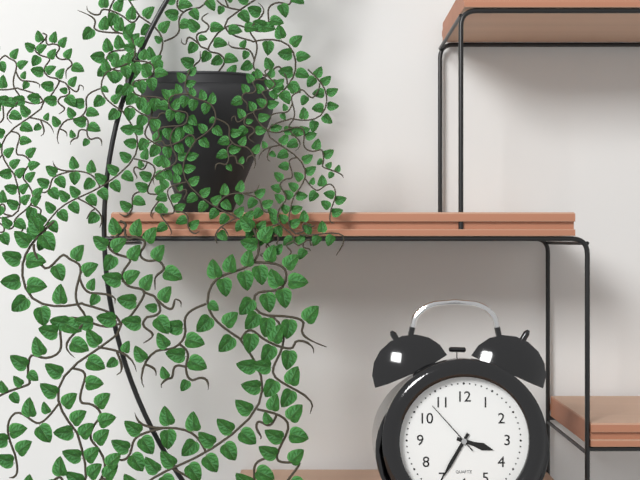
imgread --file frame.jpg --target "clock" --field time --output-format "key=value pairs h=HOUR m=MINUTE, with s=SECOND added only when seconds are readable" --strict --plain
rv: h=3 m=35 s=53
